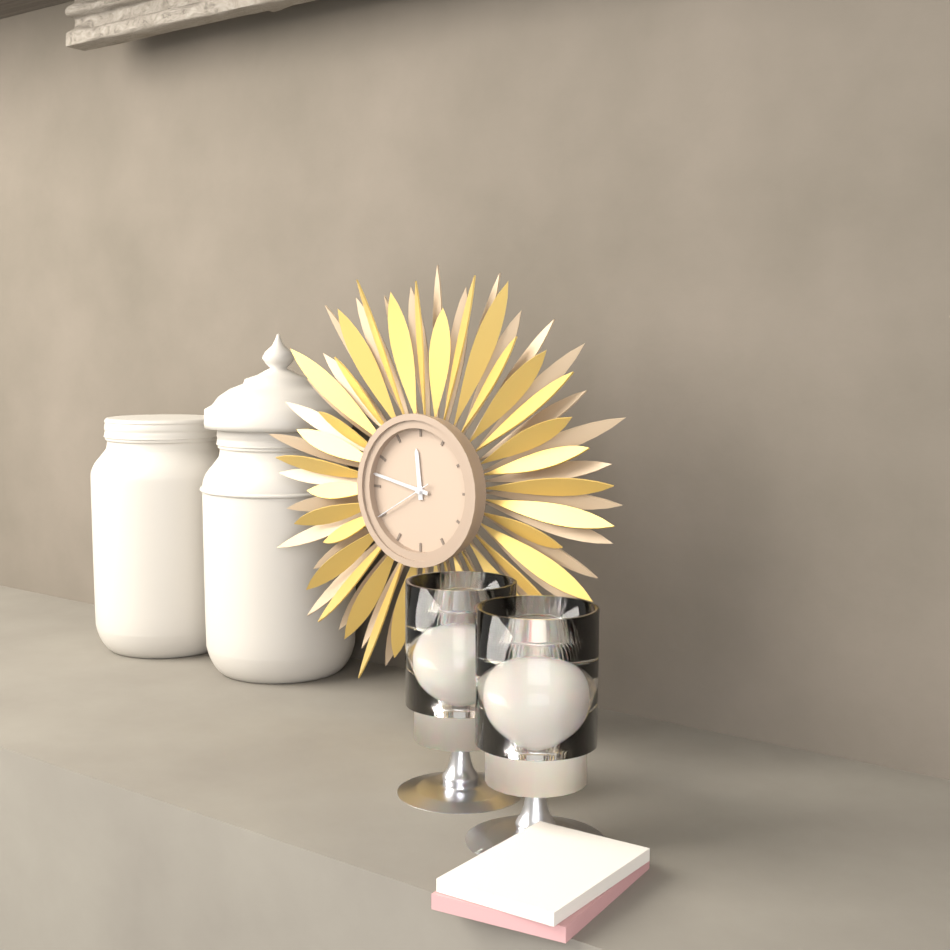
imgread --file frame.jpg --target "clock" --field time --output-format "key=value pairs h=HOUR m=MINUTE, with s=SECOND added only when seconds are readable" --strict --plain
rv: h=11 m=47 s=40
